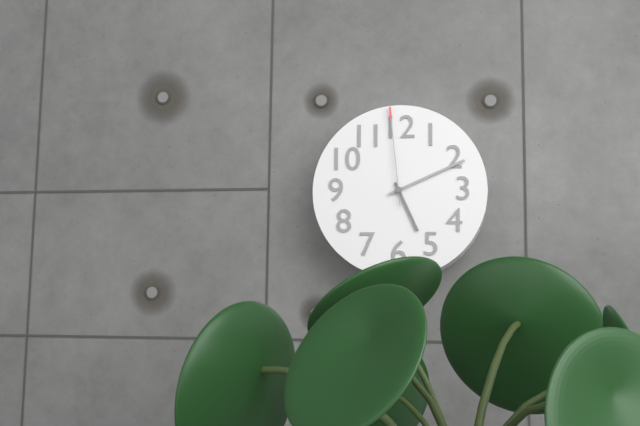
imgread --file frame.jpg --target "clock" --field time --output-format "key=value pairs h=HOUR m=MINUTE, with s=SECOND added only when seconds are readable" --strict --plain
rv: h=5 m=11 s=59
